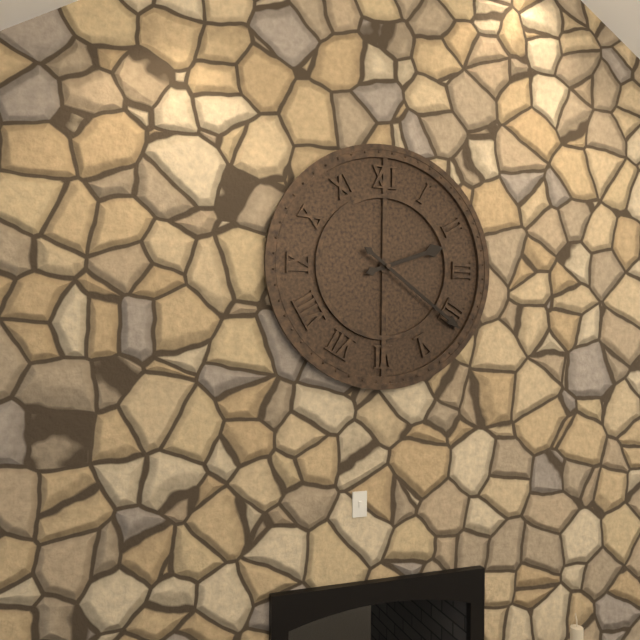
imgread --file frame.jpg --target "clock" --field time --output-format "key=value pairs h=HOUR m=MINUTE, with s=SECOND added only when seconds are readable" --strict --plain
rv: h=2 m=21
